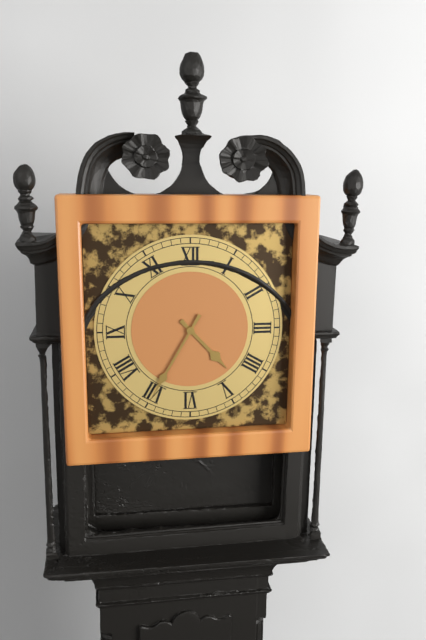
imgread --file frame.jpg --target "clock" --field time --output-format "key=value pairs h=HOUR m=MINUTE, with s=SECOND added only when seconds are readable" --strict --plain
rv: h=4 m=35
